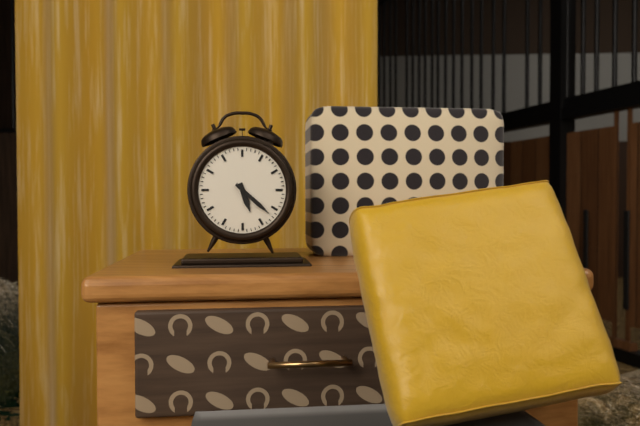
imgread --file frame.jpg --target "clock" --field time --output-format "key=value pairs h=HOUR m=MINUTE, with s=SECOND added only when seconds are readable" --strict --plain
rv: h=5 m=22
